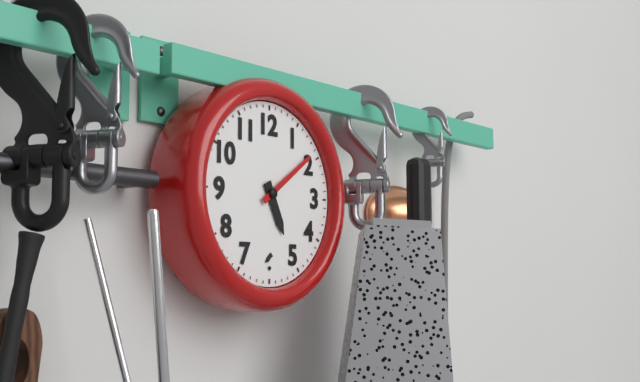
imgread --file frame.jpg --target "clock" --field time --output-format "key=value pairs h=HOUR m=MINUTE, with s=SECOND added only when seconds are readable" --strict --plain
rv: h=5 m=9
